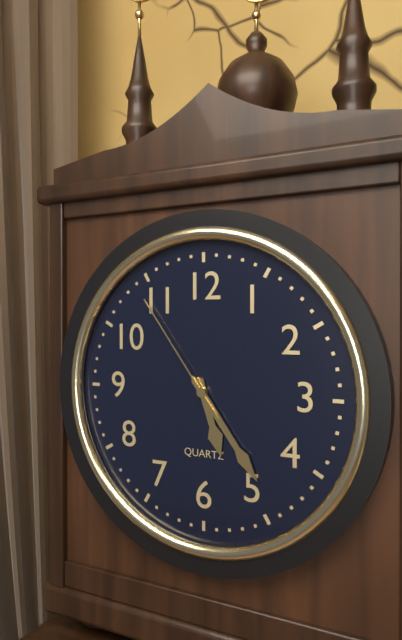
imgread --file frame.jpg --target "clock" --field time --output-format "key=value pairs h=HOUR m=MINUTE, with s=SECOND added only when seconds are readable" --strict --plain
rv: h=5 m=24 s=54
